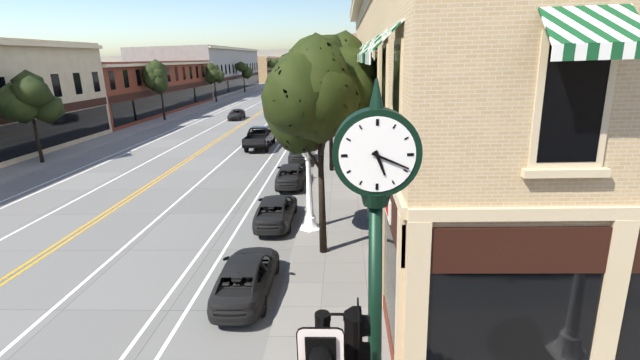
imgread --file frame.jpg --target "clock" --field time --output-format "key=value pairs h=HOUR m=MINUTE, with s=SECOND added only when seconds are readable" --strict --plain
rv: h=5 m=19
